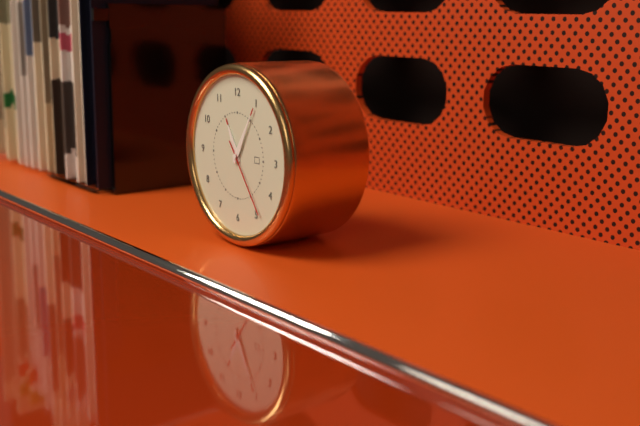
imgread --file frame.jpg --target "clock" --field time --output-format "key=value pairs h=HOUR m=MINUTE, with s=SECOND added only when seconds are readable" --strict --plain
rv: h=11 m=5 s=24
